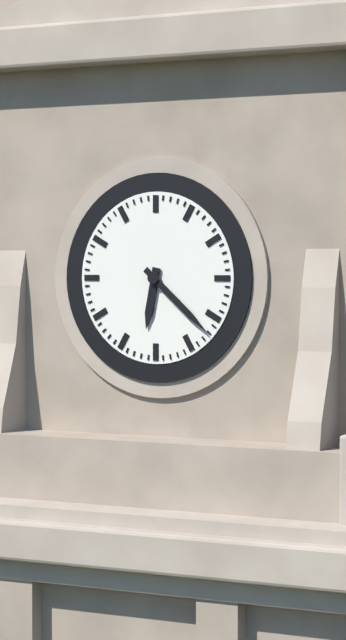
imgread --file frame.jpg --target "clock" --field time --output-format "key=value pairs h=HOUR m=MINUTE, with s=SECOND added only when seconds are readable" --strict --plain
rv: h=6 m=22
